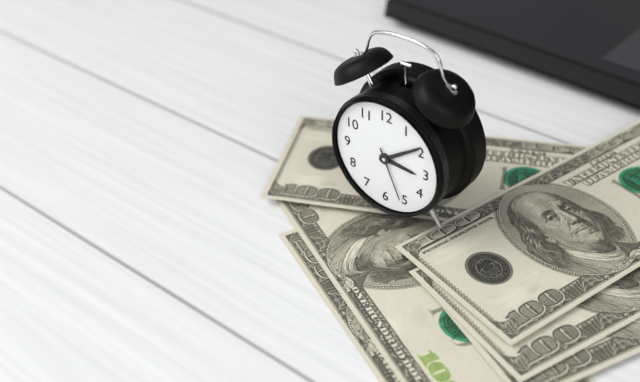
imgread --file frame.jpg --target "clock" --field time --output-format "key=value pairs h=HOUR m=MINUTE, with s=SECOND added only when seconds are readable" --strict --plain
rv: h=3 m=9 s=26
